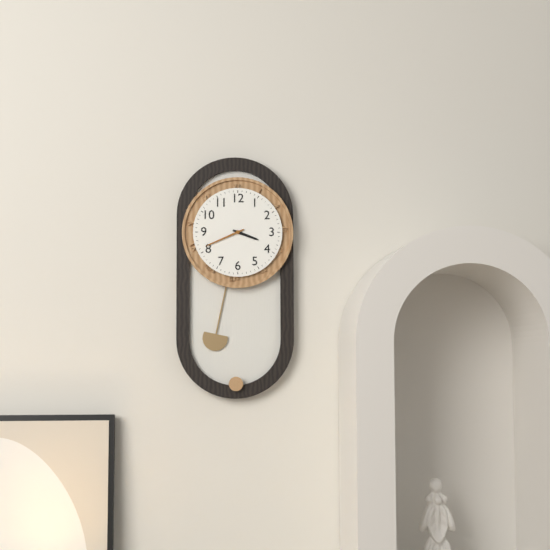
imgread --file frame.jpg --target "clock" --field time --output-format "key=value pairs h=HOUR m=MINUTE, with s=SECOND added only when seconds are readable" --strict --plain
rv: h=3 m=41
